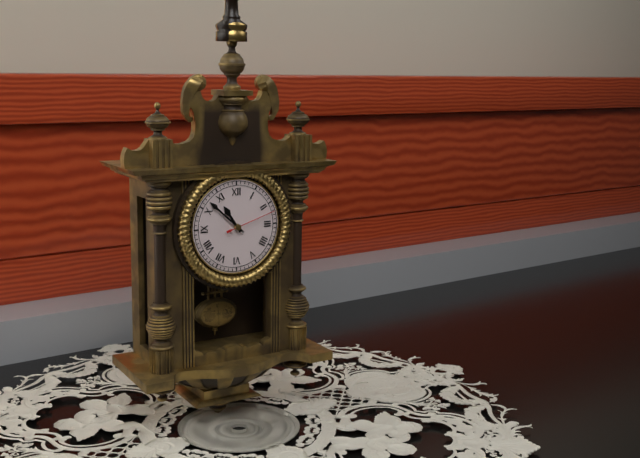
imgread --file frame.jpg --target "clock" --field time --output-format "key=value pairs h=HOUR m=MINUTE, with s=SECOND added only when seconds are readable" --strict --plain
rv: h=10 m=52 s=12
